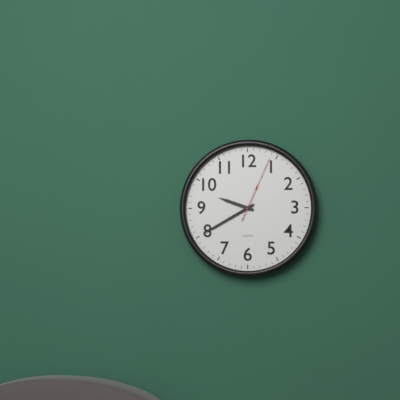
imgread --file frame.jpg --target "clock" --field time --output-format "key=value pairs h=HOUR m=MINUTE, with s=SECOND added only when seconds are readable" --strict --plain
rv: h=9 m=40 s=4
